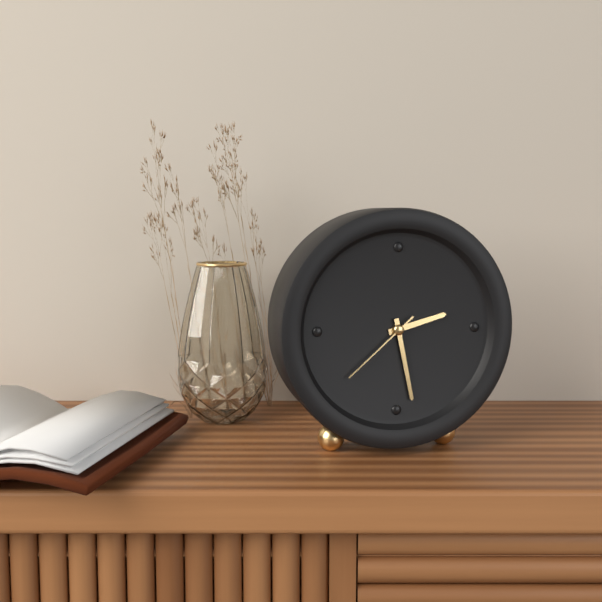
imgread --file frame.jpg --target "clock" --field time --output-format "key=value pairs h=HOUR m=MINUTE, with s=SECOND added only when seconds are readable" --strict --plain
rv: h=2 m=28 s=38
